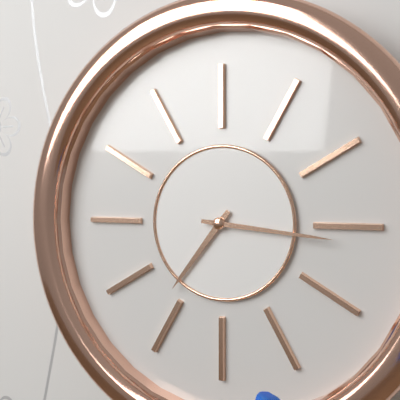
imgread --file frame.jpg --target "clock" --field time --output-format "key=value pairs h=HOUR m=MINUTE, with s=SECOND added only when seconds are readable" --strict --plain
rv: h=7 m=16
